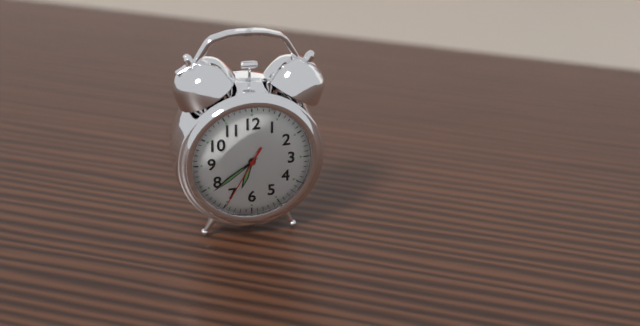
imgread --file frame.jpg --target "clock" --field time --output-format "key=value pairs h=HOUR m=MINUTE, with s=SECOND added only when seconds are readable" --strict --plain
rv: h=6 m=39 s=35
